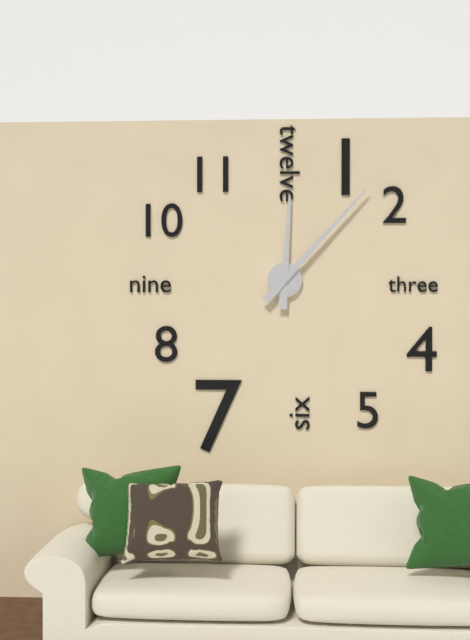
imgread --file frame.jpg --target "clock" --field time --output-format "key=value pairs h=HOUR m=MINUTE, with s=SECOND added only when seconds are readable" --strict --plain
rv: h=12 m=7
